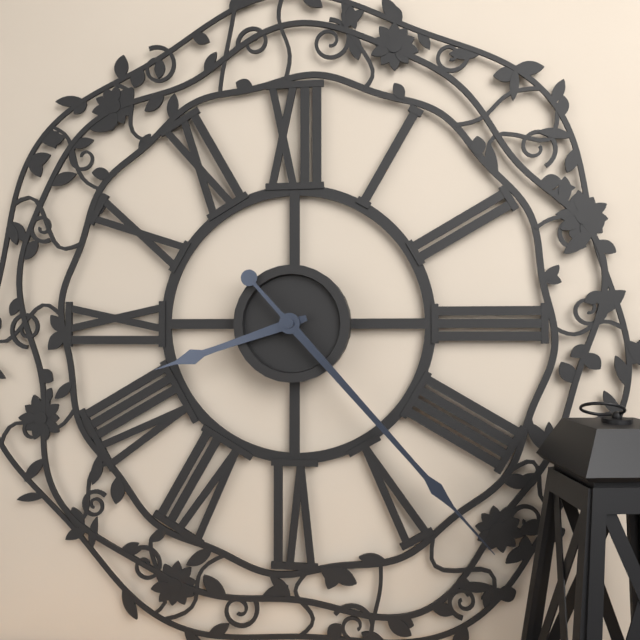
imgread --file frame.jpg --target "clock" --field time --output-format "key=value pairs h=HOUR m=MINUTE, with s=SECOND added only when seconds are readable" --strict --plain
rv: h=8 m=23
